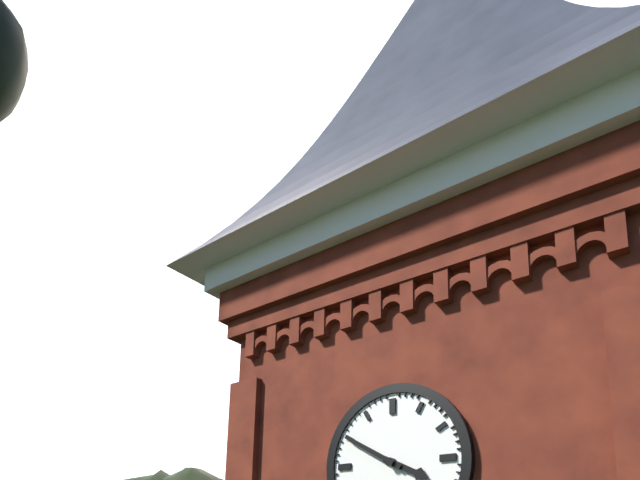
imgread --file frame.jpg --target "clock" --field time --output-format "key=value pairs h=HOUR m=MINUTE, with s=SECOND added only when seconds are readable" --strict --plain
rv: h=3 m=50
